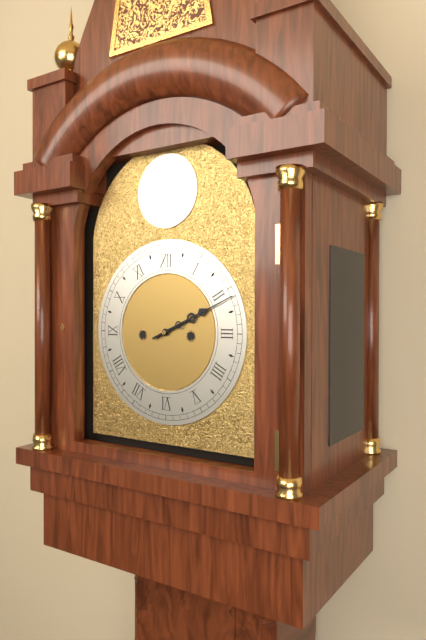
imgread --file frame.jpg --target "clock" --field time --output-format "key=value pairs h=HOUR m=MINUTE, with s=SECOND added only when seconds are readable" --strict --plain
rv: h=2 m=11
